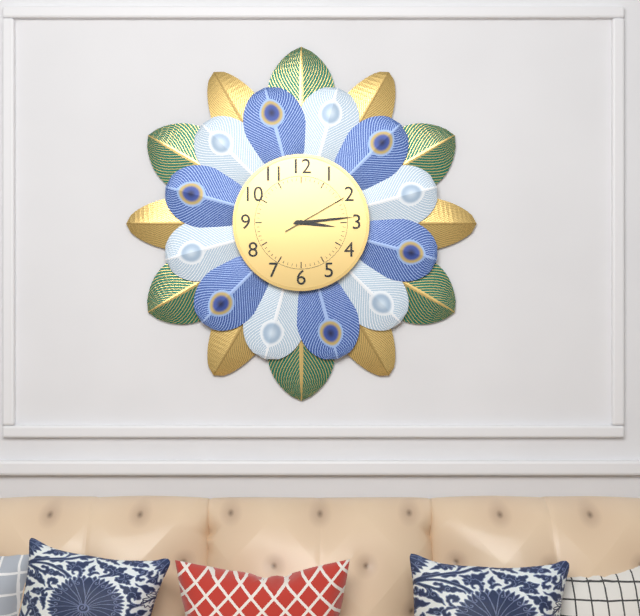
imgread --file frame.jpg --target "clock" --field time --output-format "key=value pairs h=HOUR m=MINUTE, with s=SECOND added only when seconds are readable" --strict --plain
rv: h=3 m=14 s=10
